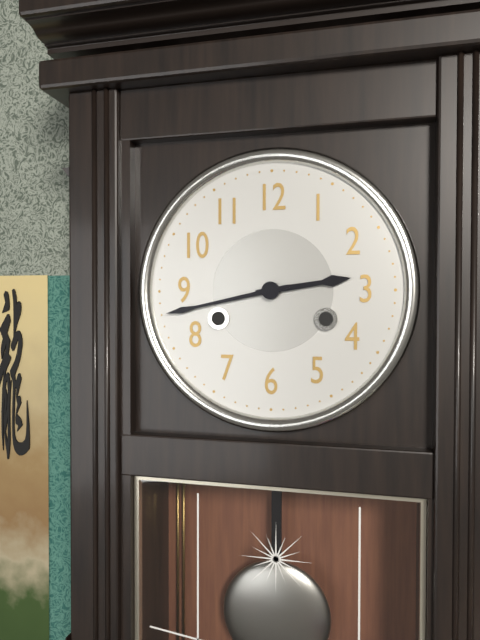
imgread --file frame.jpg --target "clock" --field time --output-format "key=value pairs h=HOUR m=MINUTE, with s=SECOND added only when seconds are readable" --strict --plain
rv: h=2 m=43
